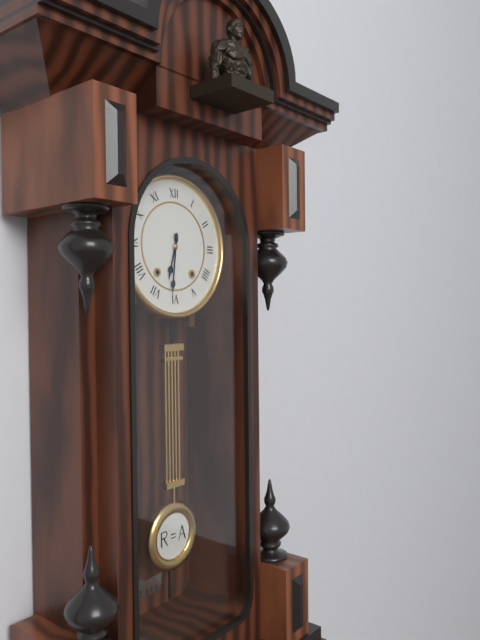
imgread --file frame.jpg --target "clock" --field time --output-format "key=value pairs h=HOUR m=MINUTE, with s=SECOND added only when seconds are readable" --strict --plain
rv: h=6 m=31
